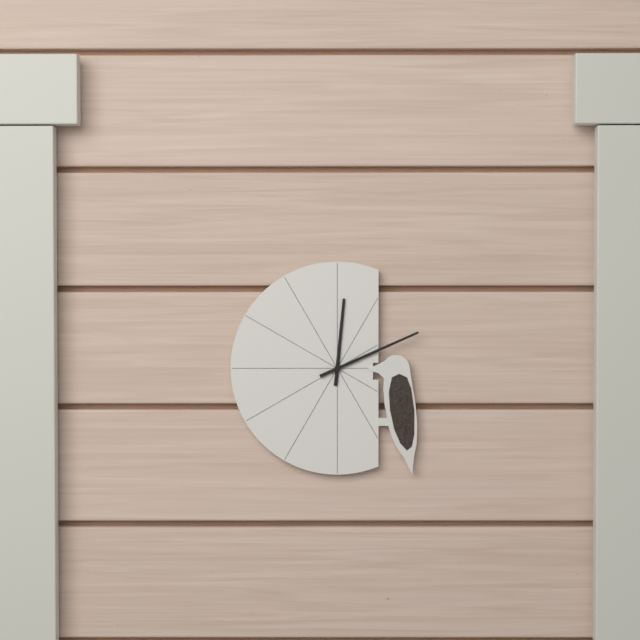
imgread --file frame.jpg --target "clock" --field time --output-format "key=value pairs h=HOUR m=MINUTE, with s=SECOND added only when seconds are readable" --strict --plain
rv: h=12 m=11
